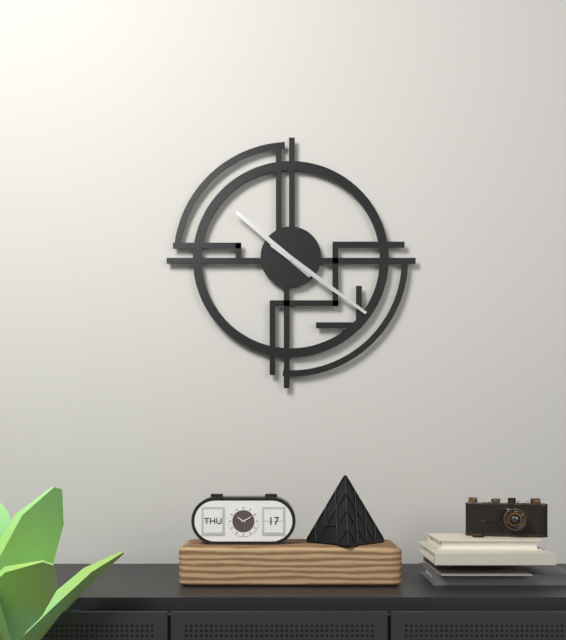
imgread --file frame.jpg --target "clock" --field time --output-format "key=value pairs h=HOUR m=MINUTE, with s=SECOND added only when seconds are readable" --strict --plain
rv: h=10 m=21
